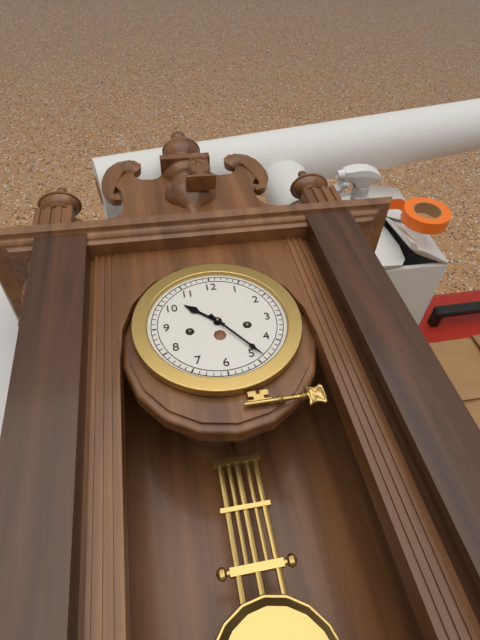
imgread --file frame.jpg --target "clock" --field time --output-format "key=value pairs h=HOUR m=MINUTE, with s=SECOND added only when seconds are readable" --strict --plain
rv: h=10 m=24
